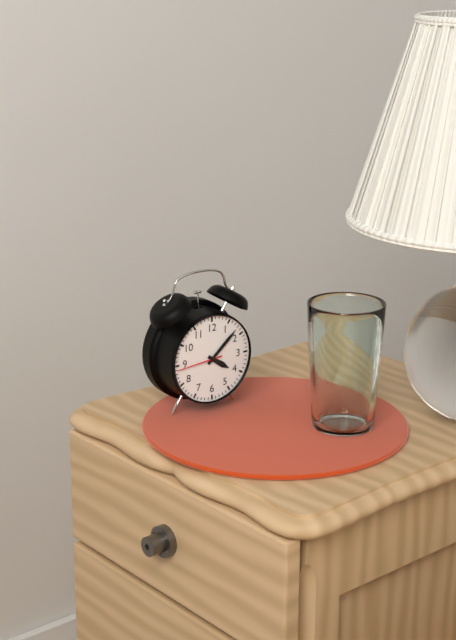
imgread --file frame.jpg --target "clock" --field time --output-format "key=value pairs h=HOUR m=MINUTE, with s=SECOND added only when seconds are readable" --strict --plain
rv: h=4 m=8
